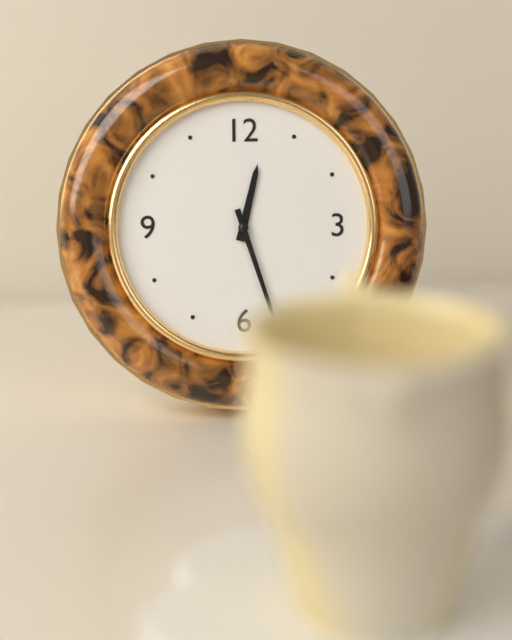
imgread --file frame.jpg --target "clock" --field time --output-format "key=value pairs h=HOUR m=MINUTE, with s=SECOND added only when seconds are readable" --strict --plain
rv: h=12 m=27
